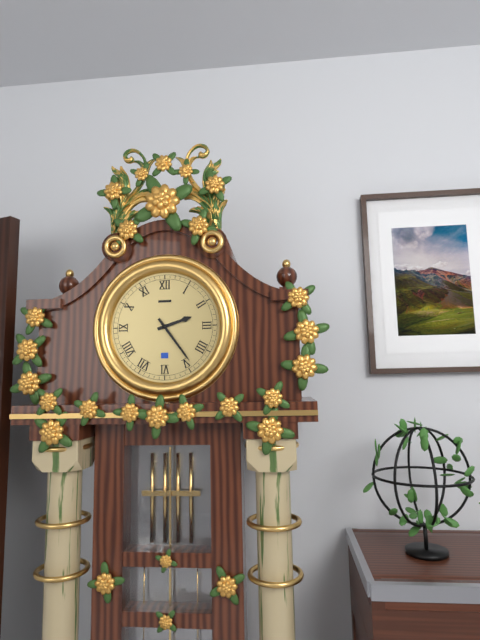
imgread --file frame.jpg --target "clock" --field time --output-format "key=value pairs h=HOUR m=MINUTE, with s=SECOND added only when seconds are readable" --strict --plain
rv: h=2 m=24
